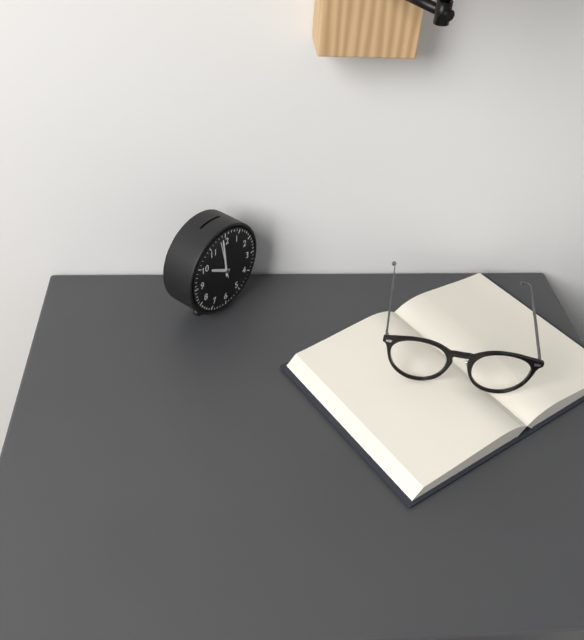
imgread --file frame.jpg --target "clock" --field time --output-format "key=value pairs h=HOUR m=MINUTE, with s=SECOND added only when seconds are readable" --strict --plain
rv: h=9 m=59
